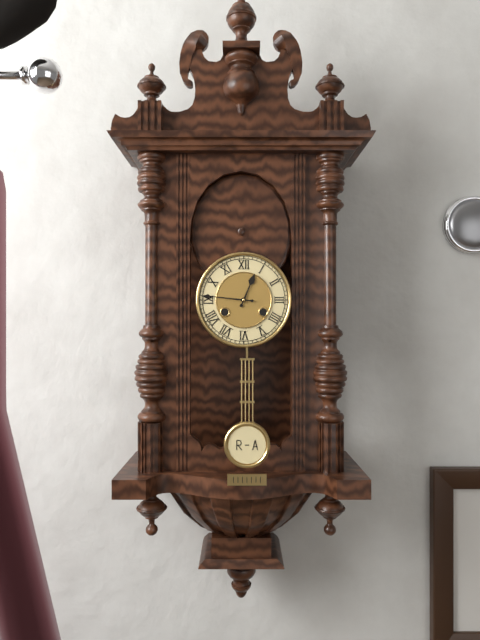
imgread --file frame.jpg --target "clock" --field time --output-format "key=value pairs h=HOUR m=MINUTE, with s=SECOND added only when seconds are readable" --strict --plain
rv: h=12 m=46
